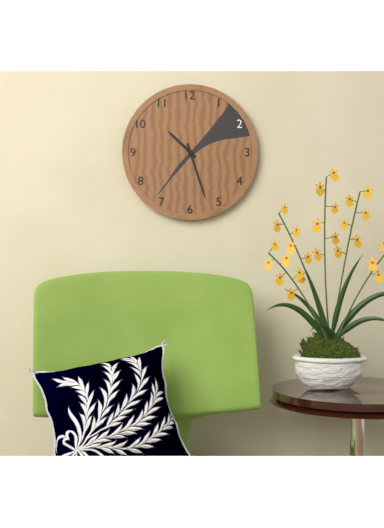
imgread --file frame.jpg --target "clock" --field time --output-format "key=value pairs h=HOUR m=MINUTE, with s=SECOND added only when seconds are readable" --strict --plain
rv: h=10 m=27
